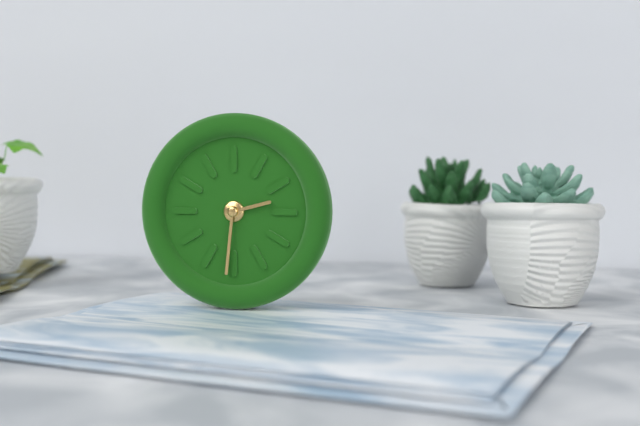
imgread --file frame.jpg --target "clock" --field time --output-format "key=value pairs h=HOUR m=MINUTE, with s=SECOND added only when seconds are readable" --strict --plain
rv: h=2 m=31
